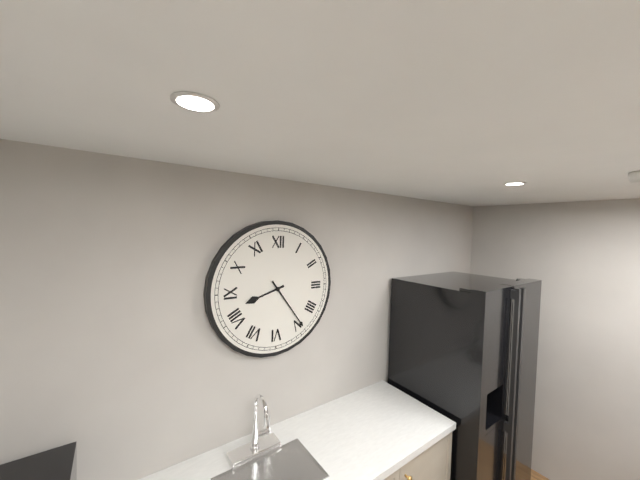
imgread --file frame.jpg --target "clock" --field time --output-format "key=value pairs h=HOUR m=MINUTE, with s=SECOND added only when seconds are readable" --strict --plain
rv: h=8 m=24
